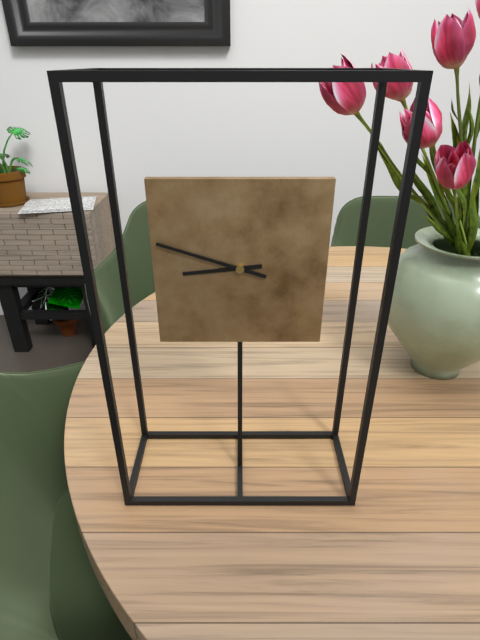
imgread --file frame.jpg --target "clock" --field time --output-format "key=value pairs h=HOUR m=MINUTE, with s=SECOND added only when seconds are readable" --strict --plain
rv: h=8 m=48
